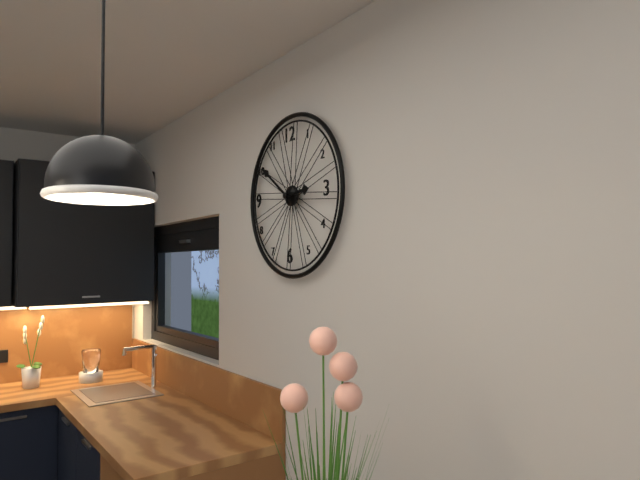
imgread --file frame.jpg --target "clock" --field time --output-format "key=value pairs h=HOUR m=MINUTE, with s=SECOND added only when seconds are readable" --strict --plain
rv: h=2 m=51
